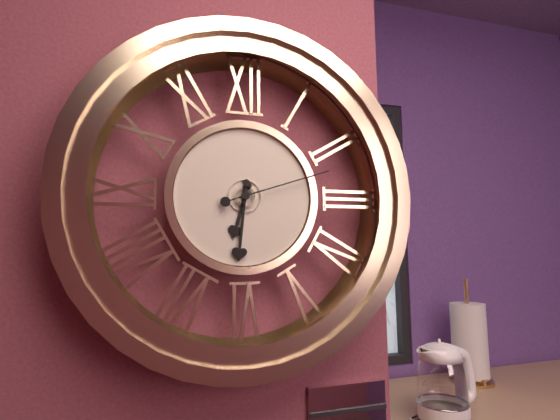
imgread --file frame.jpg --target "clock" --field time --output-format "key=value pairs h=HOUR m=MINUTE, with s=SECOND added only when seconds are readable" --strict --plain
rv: h=6 m=31 s=12
